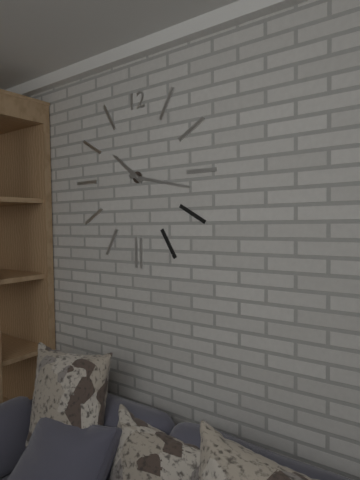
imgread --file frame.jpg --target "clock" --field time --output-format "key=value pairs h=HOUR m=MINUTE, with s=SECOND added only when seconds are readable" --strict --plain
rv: h=10 m=17
